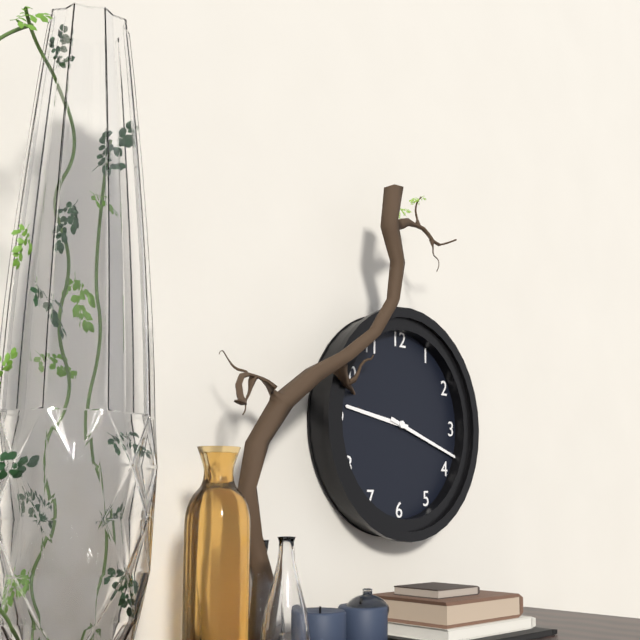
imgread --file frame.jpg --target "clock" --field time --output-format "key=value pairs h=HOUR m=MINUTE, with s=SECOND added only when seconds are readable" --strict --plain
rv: h=9 m=18
